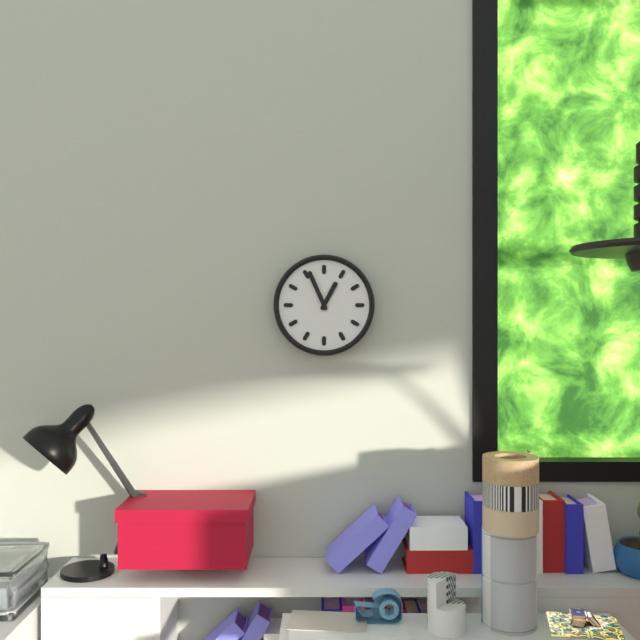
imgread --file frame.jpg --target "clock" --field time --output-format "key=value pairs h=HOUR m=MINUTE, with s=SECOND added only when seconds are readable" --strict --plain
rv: h=12 m=56
